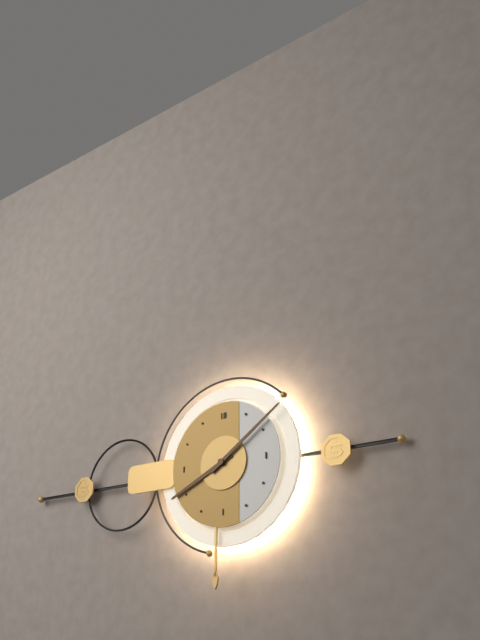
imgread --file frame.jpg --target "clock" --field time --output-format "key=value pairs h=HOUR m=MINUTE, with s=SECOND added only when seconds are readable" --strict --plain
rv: h=8 m=9
